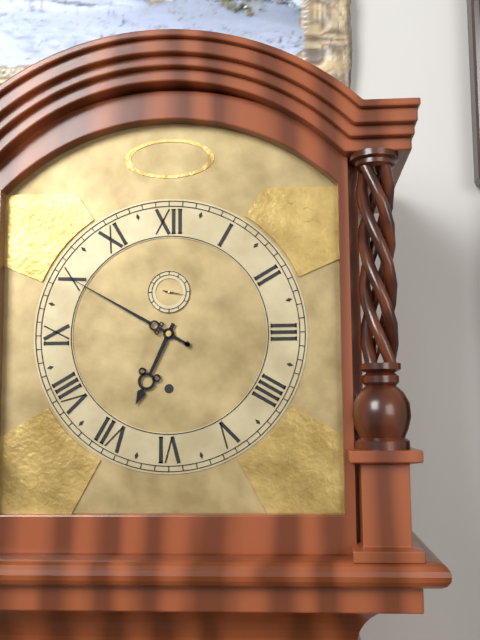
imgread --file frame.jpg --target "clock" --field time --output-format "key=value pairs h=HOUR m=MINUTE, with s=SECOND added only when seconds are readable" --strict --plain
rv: h=6 m=50
